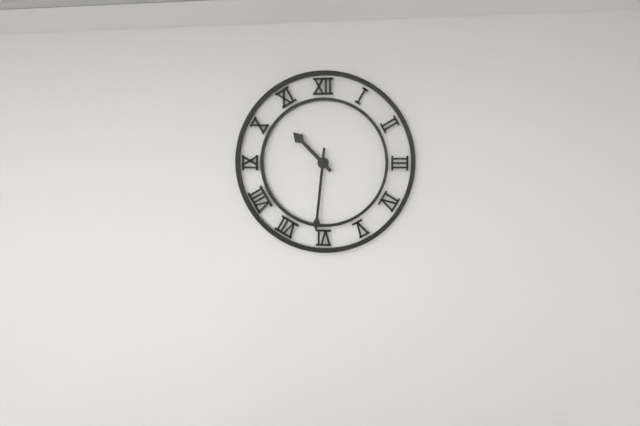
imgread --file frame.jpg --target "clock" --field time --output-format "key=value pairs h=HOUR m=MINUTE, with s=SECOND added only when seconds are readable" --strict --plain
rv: h=10 m=31
